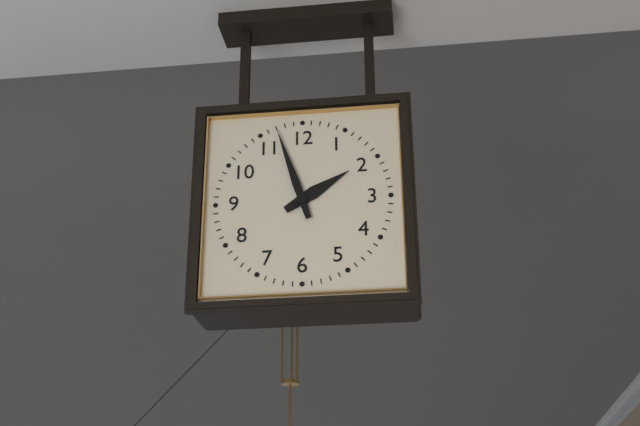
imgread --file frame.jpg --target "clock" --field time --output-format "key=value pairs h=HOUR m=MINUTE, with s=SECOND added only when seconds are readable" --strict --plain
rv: h=1 m=57
